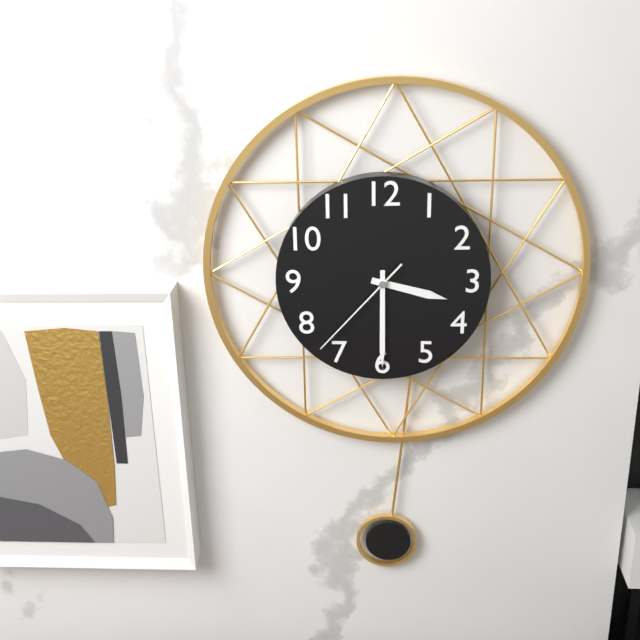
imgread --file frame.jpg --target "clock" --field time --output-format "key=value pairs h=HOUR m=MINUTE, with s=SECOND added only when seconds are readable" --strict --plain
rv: h=3 m=30 s=37
